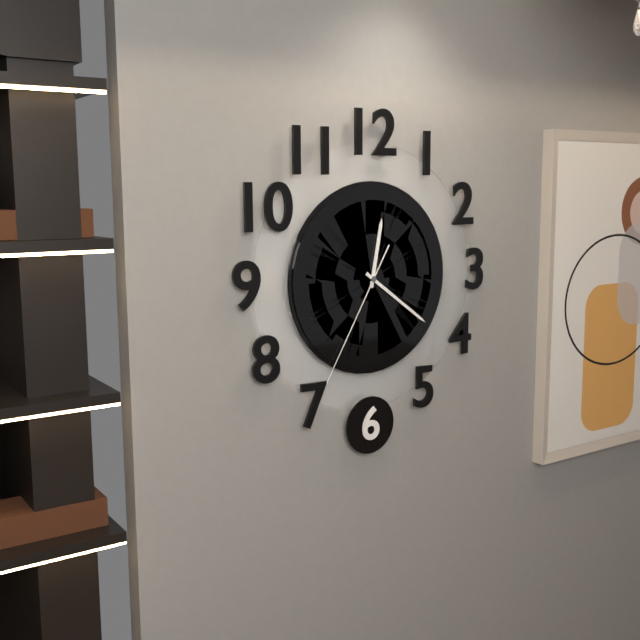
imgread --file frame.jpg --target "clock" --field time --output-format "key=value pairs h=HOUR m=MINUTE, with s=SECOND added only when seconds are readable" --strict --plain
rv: h=12 m=21 s=35
